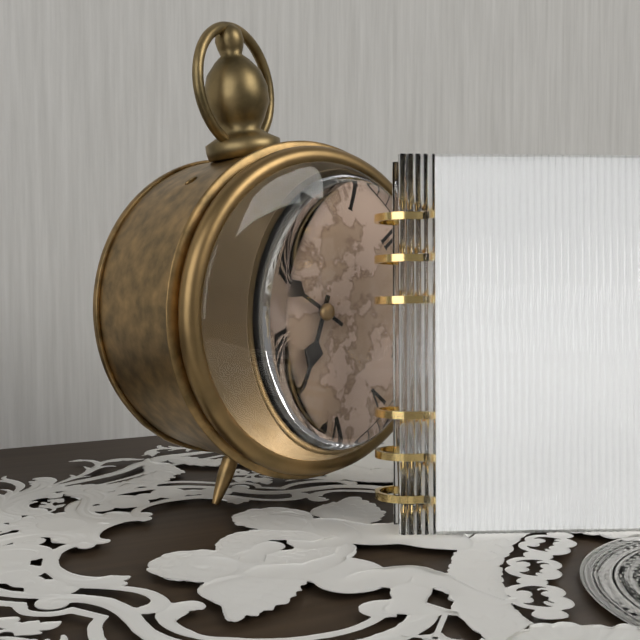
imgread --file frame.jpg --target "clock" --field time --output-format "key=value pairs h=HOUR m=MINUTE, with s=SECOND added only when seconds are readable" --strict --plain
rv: h=6 m=52
